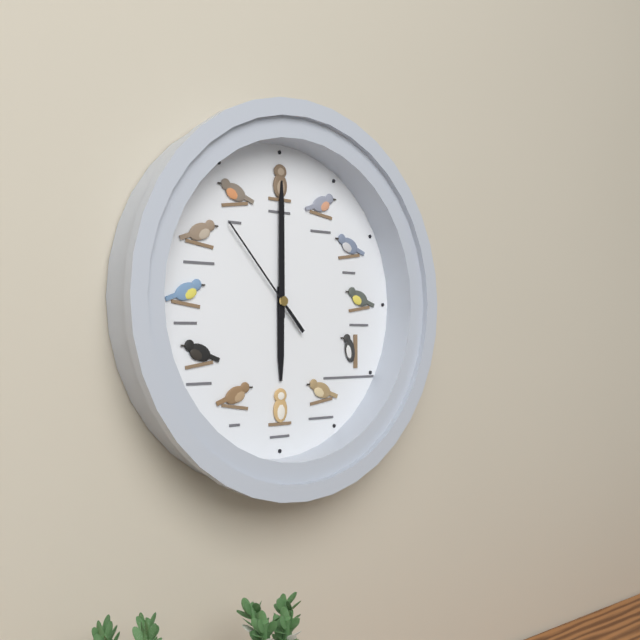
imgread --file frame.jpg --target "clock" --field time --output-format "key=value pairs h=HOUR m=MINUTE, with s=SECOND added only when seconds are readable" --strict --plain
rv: h=6 m=0 s=53
